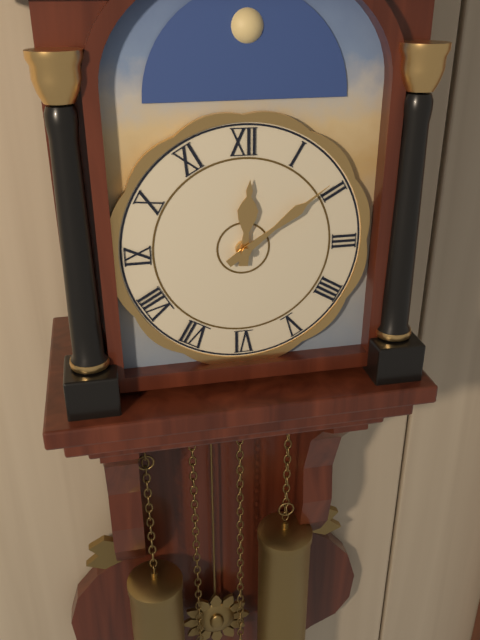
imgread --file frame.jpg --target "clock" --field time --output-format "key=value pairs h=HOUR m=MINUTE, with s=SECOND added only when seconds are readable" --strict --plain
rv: h=12 m=9
